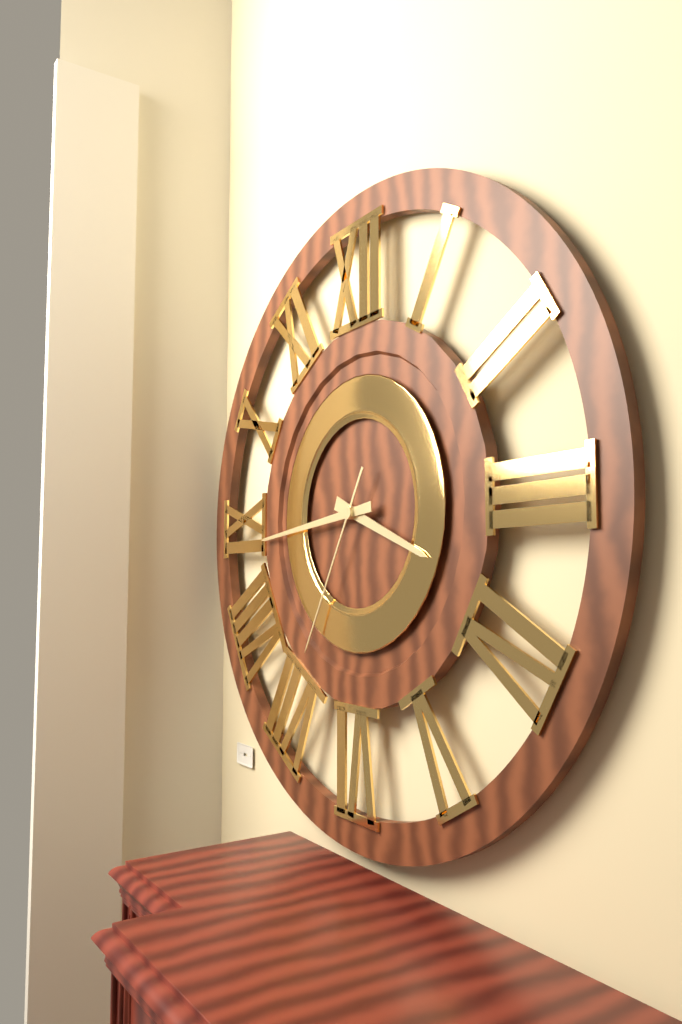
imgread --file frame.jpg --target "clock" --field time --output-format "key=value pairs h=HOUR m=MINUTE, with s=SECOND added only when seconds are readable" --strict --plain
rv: h=3 m=44 s=35
